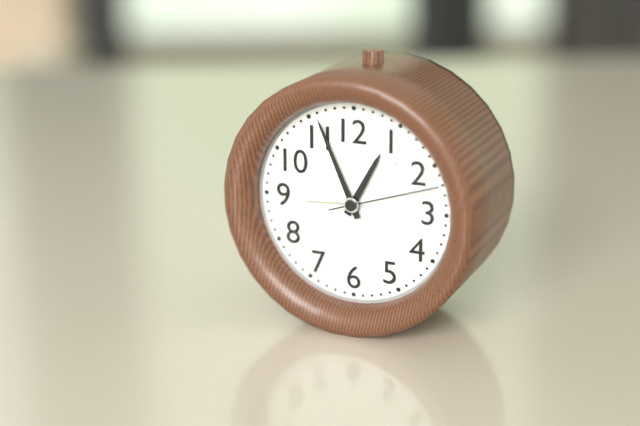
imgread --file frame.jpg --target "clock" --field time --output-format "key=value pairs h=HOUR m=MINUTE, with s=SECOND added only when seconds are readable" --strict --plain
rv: h=12 m=56 s=12
